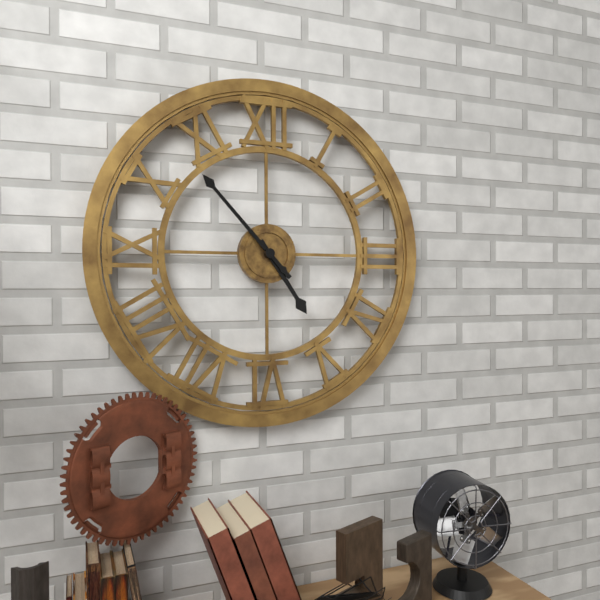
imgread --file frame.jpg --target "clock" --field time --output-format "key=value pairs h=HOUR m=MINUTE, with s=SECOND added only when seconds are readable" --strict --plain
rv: h=4 m=53
